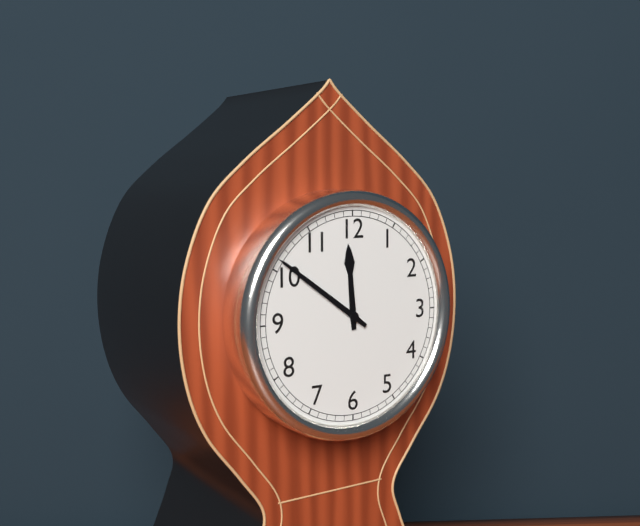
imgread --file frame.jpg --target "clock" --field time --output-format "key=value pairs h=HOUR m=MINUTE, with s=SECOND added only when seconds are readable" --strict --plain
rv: h=11 m=51
